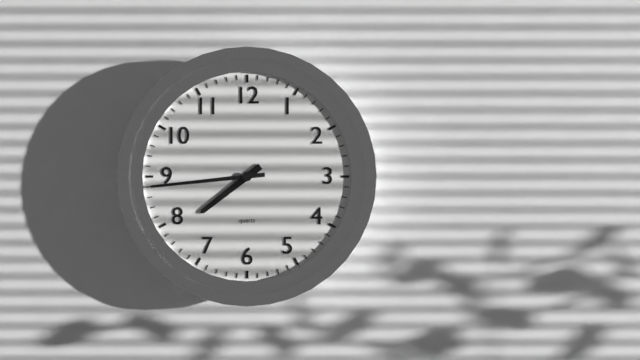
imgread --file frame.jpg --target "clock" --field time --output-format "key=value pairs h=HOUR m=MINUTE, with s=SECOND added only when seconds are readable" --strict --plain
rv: h=7 m=44
